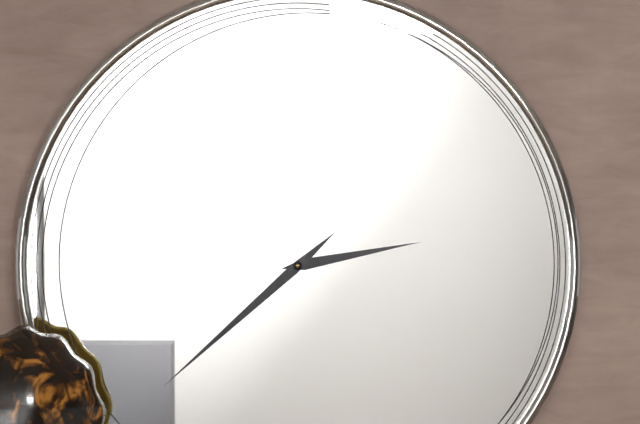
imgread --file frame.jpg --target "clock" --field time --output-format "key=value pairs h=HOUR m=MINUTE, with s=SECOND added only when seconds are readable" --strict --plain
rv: h=2 m=38
